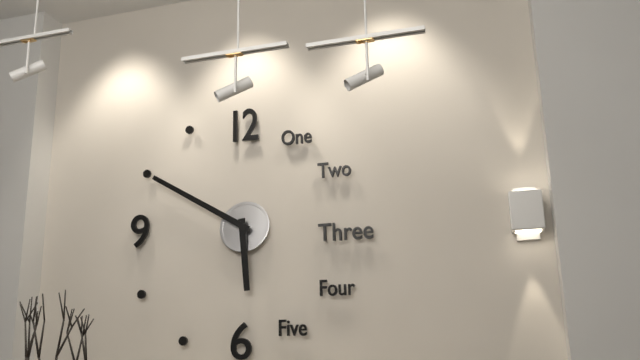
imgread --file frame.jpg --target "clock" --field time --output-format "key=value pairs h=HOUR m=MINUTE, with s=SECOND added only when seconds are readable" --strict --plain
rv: h=5 m=50
